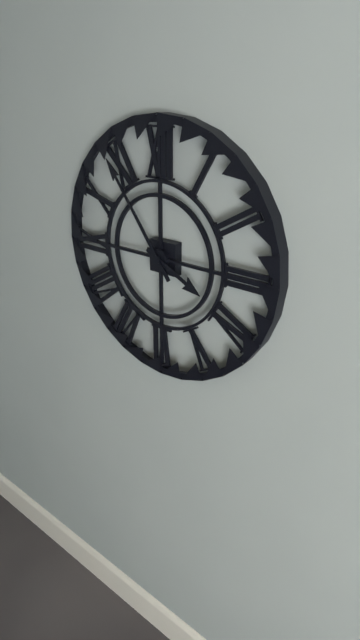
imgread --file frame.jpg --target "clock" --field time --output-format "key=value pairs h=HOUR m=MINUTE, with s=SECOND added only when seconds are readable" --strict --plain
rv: h=3 m=54
